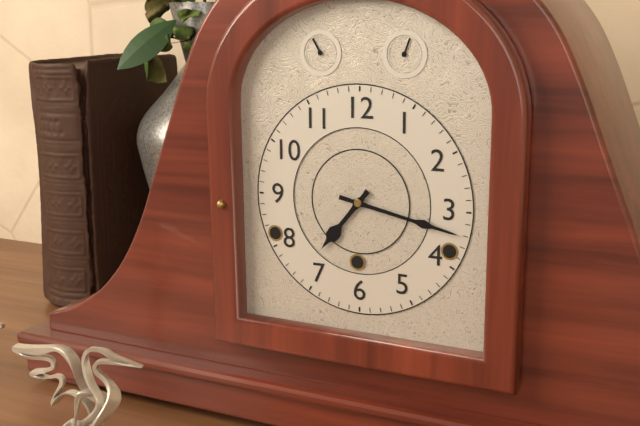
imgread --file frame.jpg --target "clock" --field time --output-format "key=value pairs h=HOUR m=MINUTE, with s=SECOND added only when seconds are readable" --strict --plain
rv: h=7 m=17
